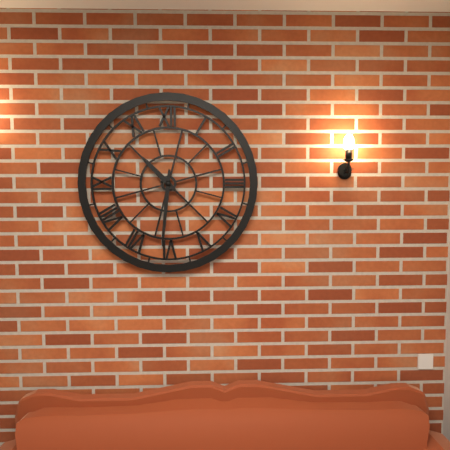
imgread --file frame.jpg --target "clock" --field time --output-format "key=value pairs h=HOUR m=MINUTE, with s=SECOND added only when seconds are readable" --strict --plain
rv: h=10 m=31
